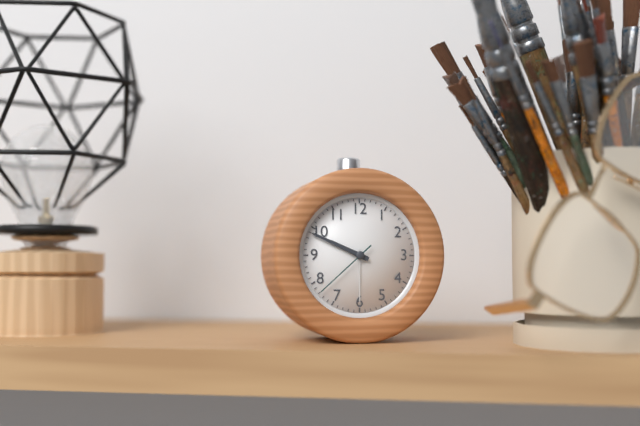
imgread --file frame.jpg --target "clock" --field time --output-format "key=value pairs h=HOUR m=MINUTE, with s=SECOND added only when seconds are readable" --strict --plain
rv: h=9 m=49 s=38
